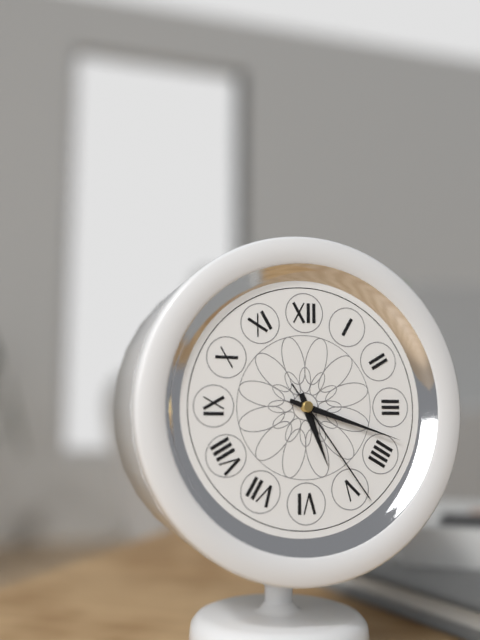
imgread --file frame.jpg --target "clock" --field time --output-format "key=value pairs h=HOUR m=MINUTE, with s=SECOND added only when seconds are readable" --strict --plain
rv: h=5 m=18 s=24
